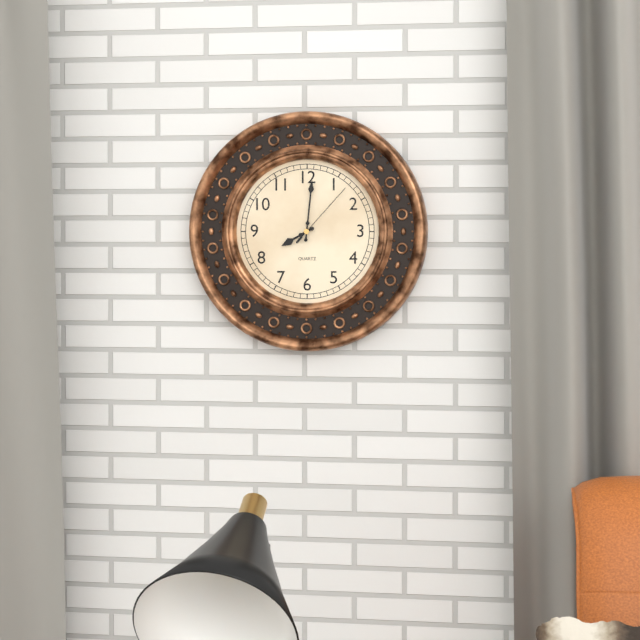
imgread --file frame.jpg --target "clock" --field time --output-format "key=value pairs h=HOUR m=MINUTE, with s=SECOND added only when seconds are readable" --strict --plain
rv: h=8 m=1 s=7
